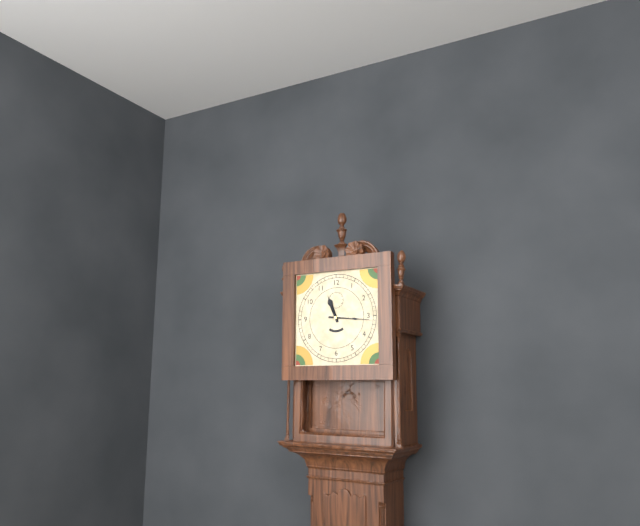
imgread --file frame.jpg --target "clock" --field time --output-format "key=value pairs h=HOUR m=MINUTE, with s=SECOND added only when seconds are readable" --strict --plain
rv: h=11 m=16
